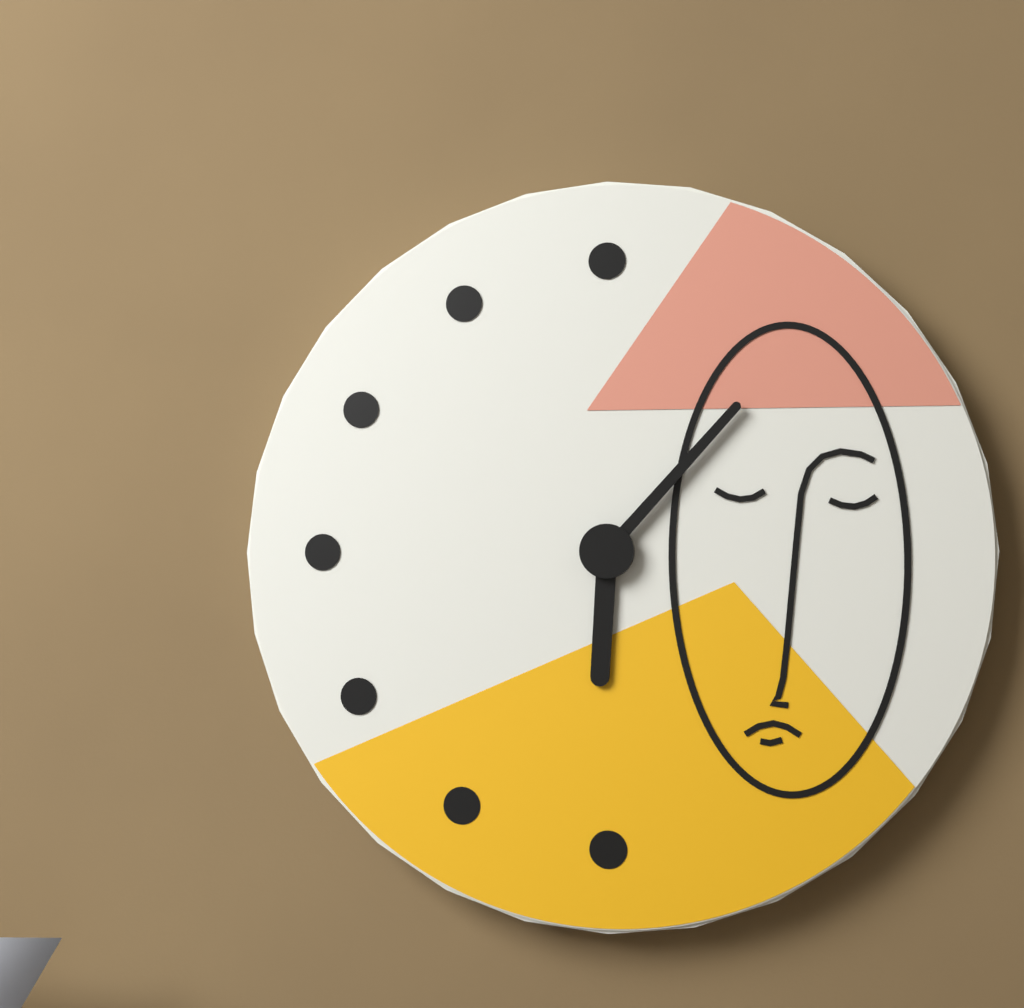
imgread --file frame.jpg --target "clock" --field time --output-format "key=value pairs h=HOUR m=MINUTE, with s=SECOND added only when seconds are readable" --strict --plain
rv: h=6 m=7
